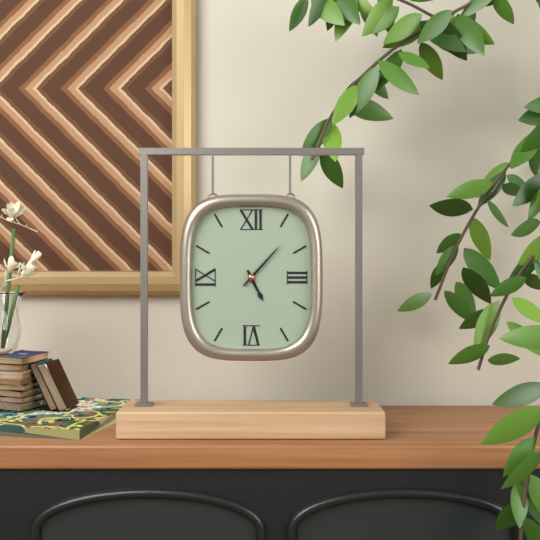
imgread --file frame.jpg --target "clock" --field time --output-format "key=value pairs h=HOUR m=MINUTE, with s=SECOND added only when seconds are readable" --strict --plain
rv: h=5 m=7
